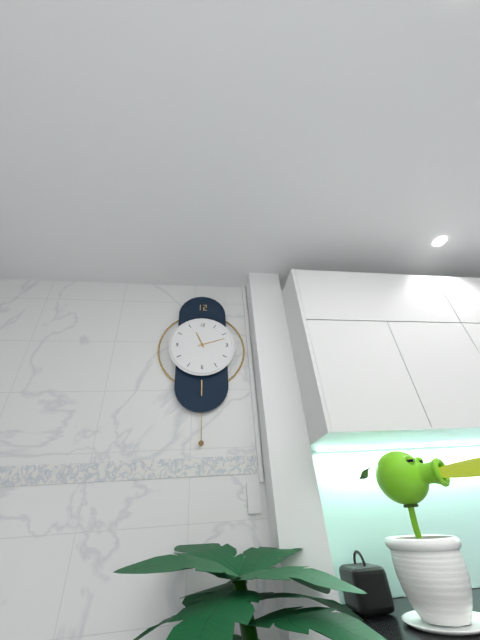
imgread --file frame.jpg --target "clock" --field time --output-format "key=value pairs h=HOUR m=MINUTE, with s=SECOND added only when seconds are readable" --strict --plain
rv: h=11 m=12
